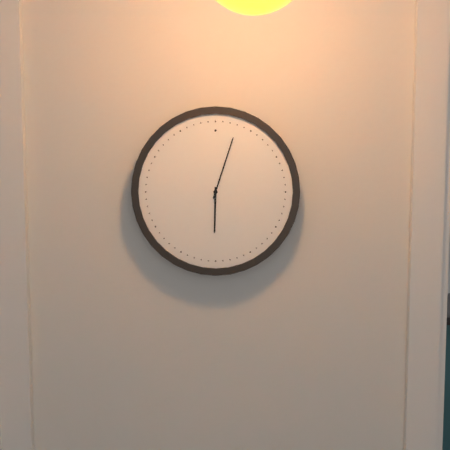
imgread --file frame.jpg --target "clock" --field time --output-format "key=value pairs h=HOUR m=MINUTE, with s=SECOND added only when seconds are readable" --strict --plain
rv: h=6 m=3
